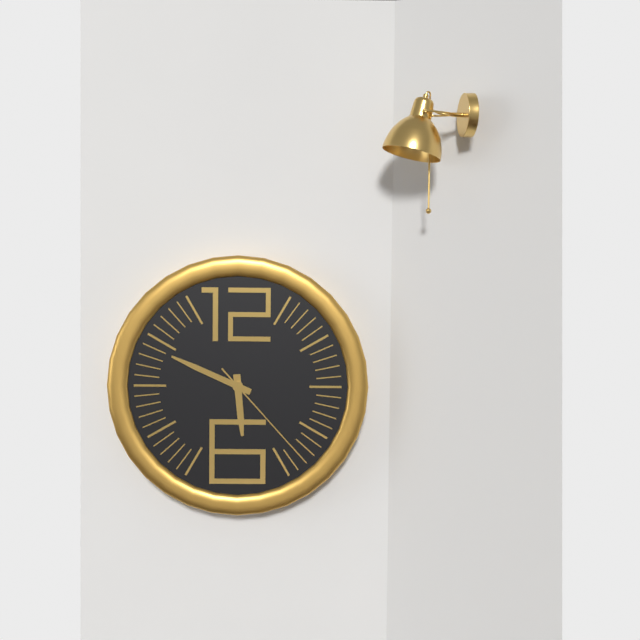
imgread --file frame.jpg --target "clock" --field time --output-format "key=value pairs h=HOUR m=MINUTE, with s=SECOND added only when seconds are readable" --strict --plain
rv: h=5 m=49 s=23
